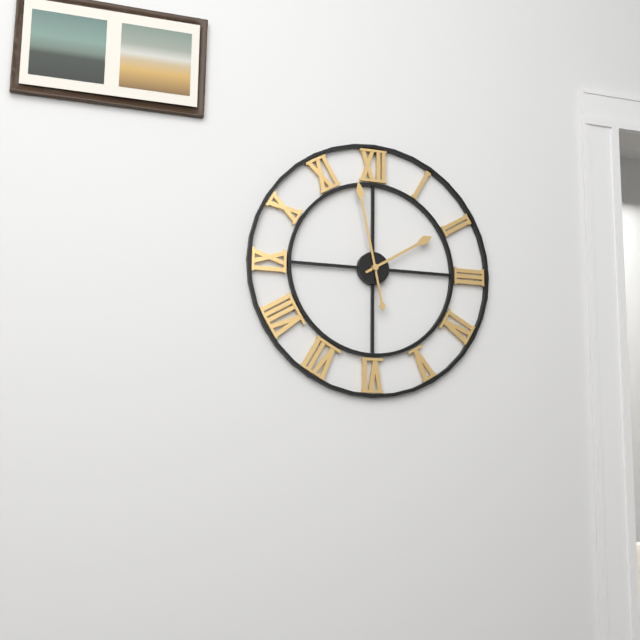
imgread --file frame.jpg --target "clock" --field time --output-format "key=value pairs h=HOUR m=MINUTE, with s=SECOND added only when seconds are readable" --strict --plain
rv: h=1 m=58
